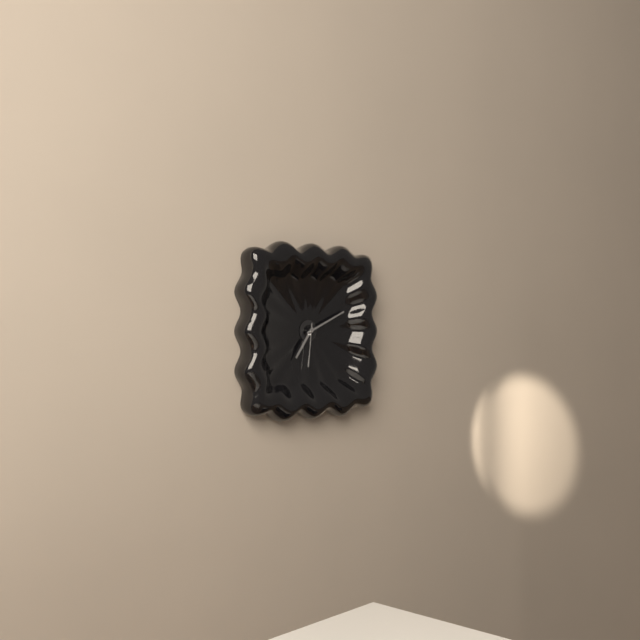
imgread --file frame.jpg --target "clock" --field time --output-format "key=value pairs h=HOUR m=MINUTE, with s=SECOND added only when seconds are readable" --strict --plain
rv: h=7 m=11
